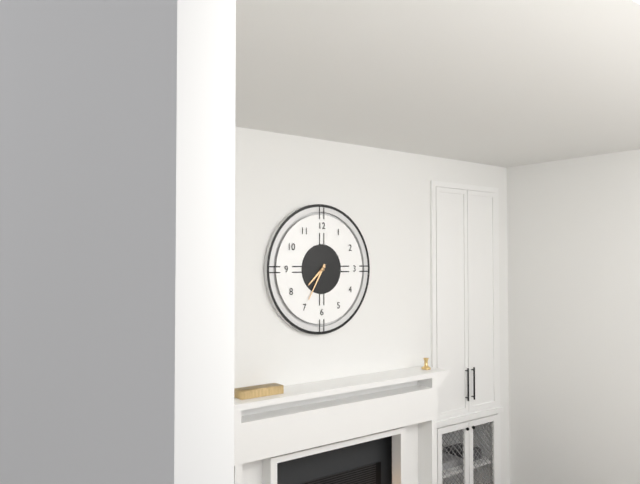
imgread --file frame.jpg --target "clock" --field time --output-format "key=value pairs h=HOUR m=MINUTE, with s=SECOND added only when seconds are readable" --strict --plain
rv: h=7 m=35
